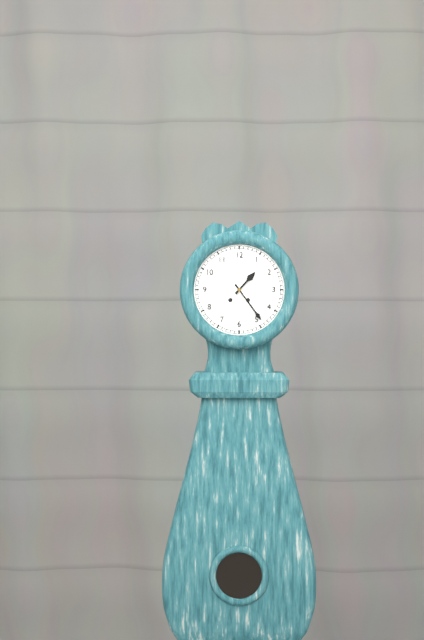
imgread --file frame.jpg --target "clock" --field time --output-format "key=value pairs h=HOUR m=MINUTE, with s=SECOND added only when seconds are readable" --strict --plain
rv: h=1 m=24
